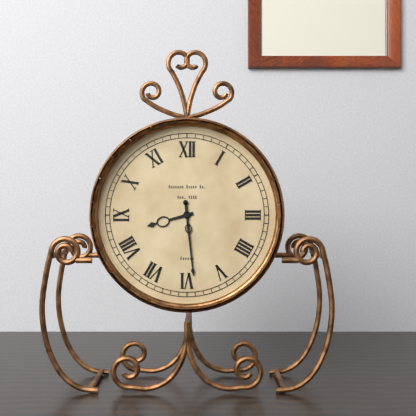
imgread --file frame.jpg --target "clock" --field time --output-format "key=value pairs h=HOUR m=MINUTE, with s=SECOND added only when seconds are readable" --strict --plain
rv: h=8 m=29
